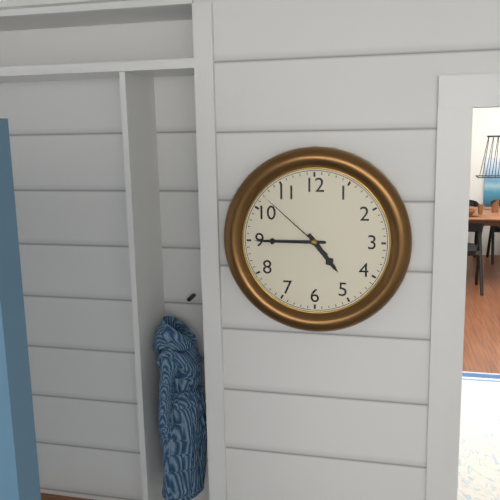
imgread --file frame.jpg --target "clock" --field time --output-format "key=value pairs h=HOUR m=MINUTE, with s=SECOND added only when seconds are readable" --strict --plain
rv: h=4 m=45 s=52
